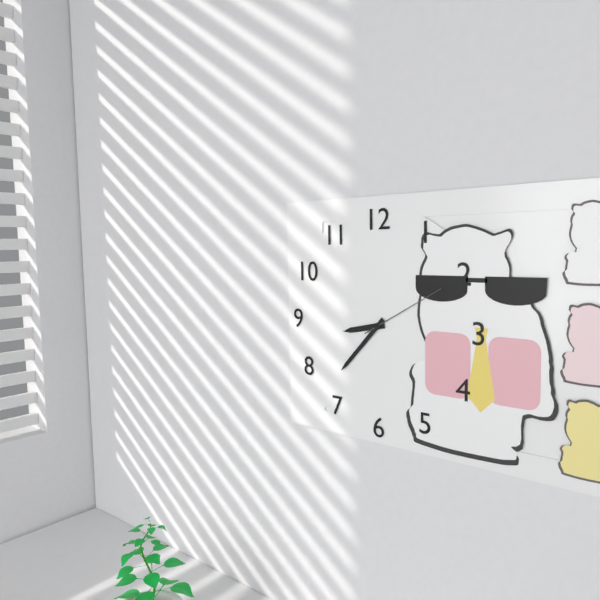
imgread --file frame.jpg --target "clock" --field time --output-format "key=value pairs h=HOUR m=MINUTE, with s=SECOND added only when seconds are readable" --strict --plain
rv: h=8 m=37 s=10
